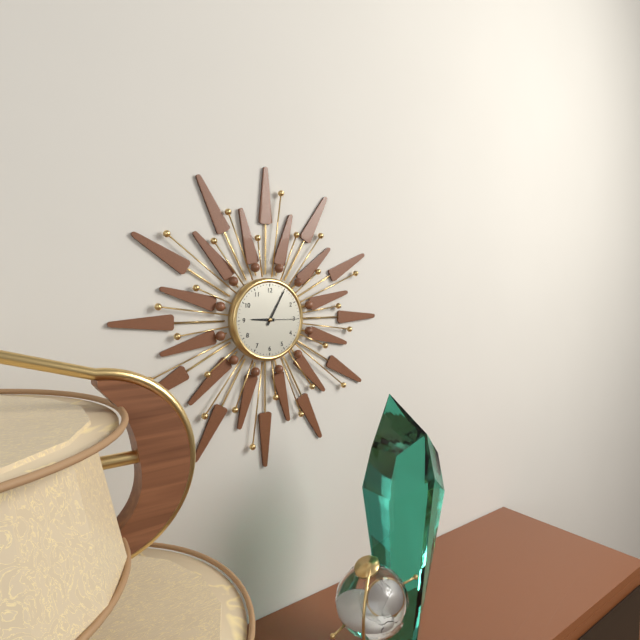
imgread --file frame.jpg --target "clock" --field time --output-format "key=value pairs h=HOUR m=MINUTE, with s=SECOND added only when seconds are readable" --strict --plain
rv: h=9 m=5
